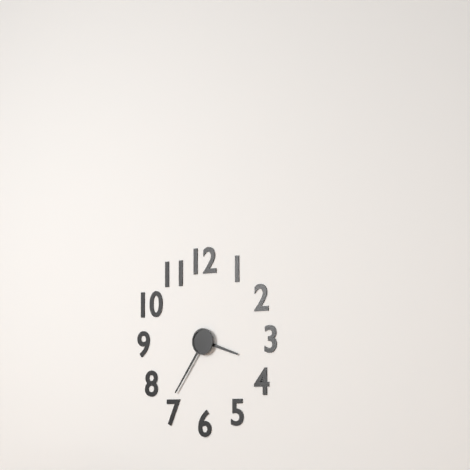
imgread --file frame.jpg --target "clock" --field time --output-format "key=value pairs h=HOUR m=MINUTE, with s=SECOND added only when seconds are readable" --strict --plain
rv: h=3 m=36
